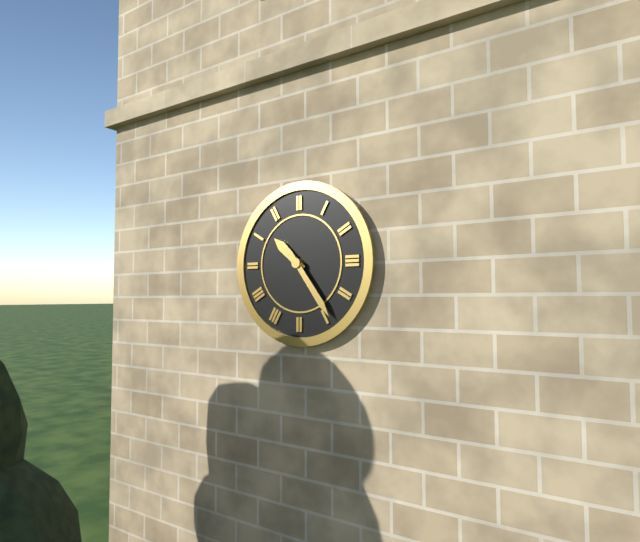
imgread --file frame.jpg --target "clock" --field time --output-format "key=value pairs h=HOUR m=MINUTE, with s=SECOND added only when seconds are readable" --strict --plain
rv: h=10 m=24
